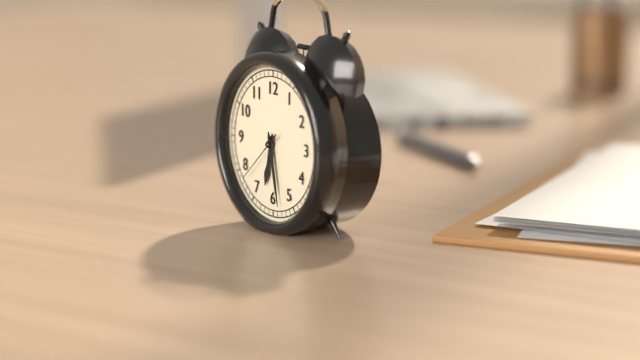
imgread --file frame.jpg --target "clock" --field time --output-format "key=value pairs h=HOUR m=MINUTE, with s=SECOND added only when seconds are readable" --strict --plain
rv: h=6 m=28 s=38
